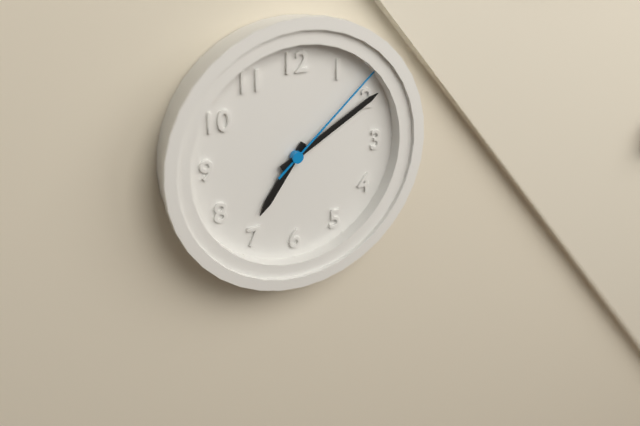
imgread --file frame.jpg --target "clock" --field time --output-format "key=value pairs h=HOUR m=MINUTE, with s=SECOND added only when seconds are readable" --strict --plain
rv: h=7 m=10 s=8
